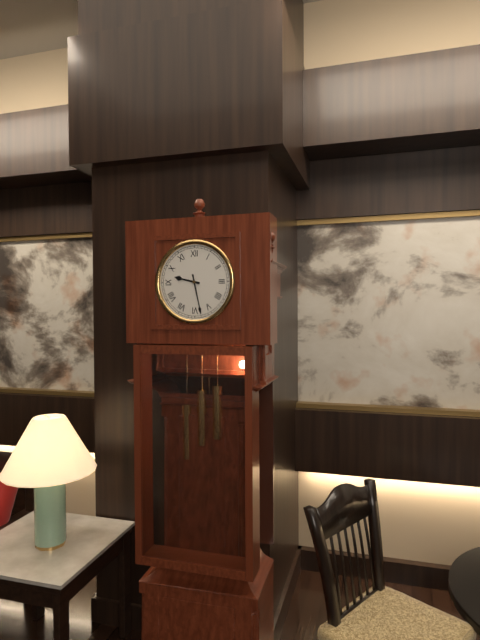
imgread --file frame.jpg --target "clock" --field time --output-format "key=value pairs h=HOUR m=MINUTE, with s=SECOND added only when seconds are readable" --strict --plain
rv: h=9 m=28
